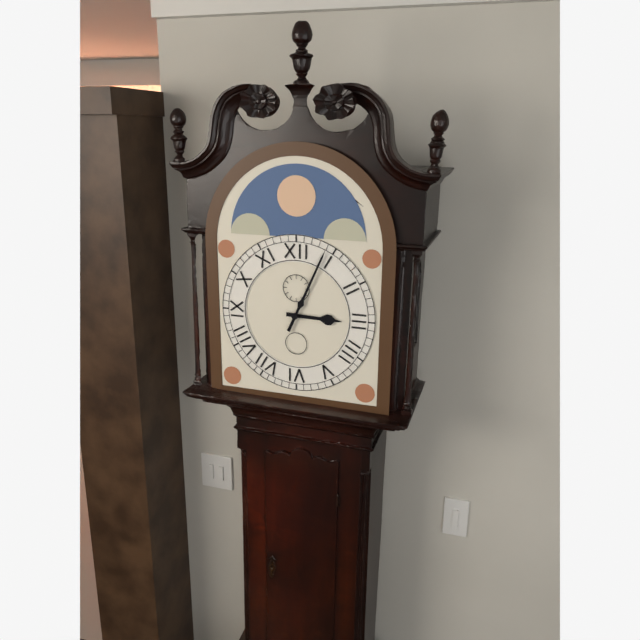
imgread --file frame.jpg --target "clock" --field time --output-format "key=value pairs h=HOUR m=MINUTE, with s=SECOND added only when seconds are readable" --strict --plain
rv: h=3 m=4
